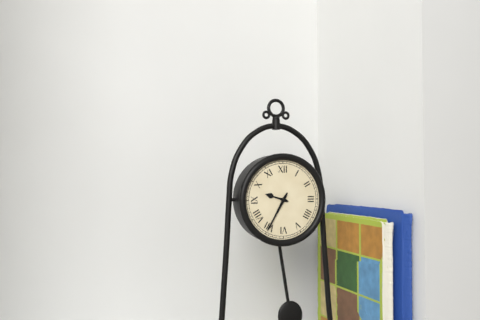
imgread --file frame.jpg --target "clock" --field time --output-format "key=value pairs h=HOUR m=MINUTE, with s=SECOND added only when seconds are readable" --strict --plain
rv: h=9 m=35
